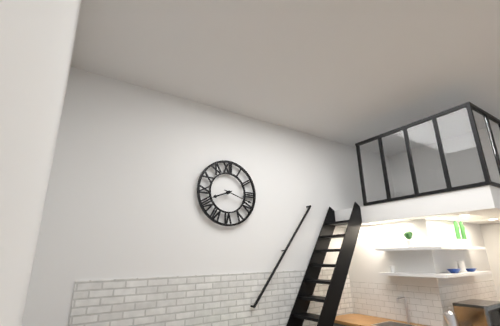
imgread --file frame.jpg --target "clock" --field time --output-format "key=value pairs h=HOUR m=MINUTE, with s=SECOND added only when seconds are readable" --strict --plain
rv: h=8 m=18
